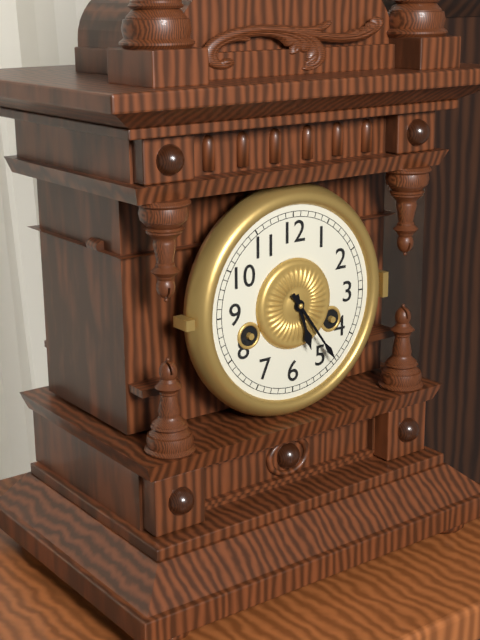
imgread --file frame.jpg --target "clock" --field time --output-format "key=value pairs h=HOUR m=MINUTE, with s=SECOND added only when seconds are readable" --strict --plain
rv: h=5 m=24
